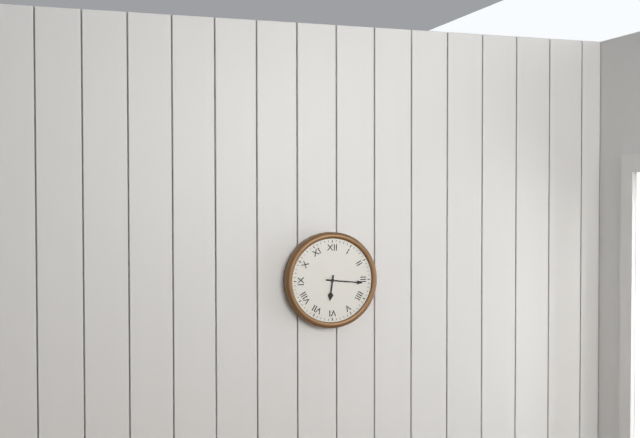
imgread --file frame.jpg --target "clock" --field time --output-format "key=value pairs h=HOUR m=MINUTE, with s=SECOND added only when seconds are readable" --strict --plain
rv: h=6 m=16
